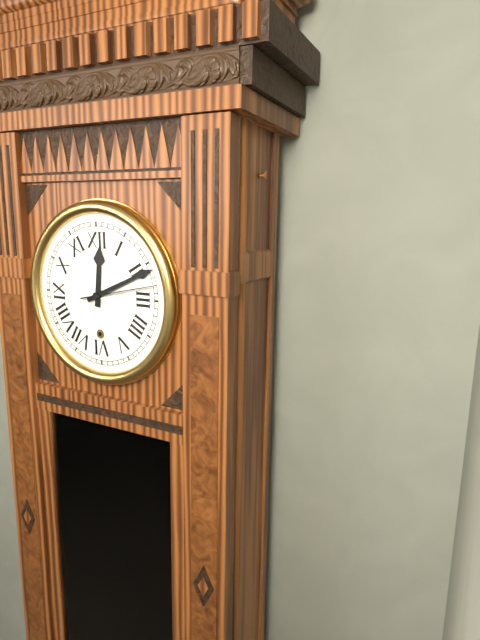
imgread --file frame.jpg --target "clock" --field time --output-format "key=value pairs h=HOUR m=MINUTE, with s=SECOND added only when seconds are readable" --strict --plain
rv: h=12 m=11
